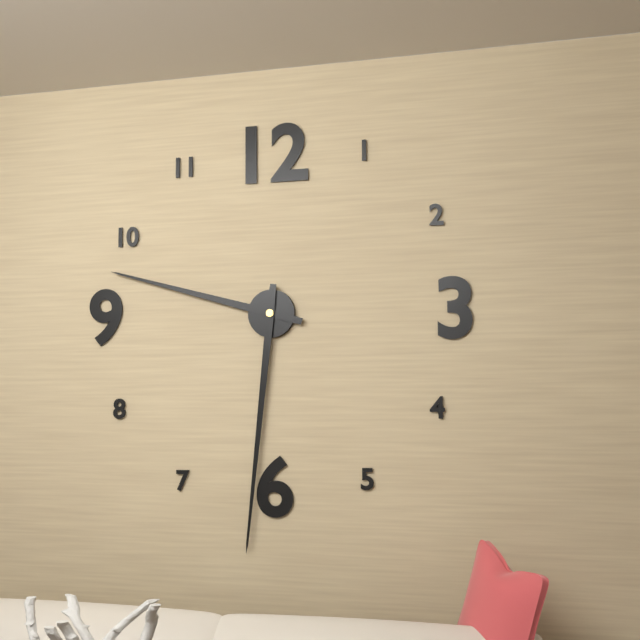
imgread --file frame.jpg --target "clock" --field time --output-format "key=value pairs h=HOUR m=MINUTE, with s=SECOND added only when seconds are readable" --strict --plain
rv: h=9 m=31
